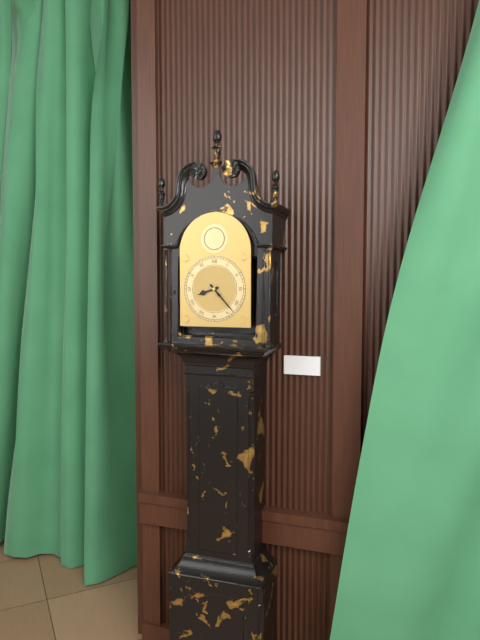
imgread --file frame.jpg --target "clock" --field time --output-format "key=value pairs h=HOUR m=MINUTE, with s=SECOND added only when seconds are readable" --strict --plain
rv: h=8 m=23
